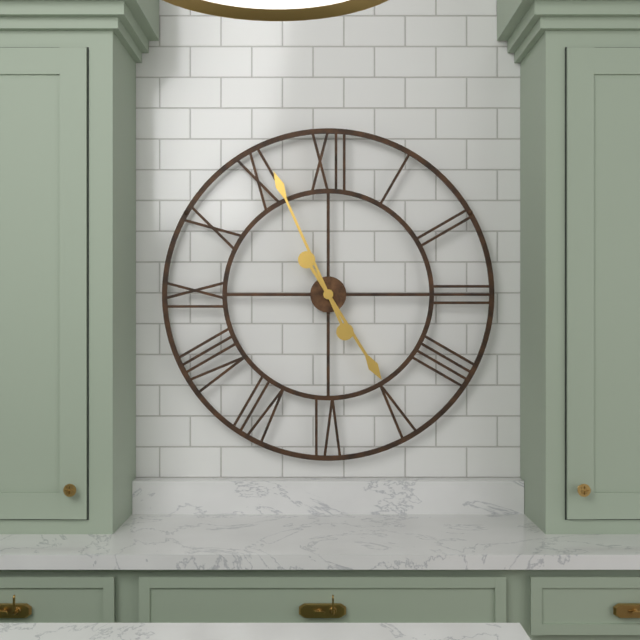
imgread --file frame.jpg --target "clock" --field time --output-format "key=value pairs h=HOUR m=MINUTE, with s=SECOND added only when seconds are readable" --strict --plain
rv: h=4 m=56
